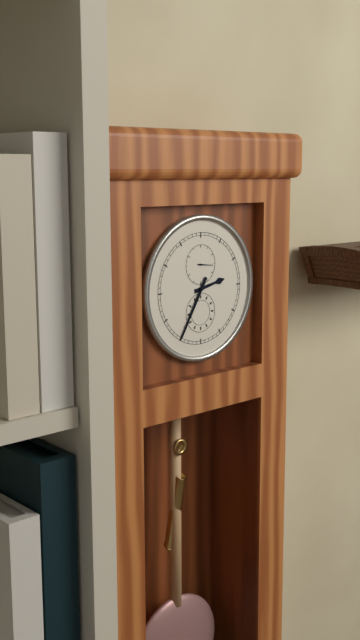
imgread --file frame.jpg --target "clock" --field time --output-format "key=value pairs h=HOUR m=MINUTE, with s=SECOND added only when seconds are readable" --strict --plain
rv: h=2 m=35
